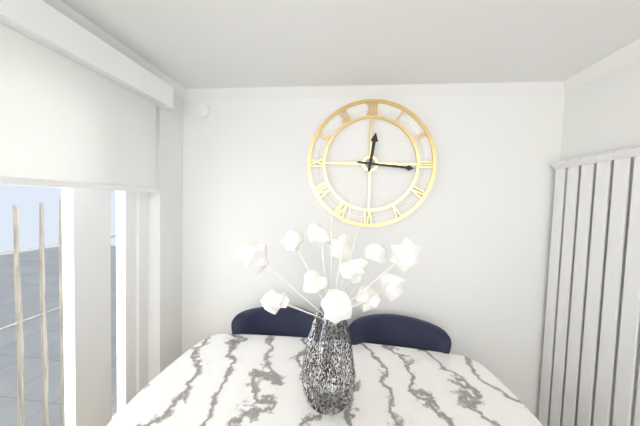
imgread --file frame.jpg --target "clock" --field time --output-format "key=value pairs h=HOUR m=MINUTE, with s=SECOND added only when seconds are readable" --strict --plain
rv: h=12 m=16
